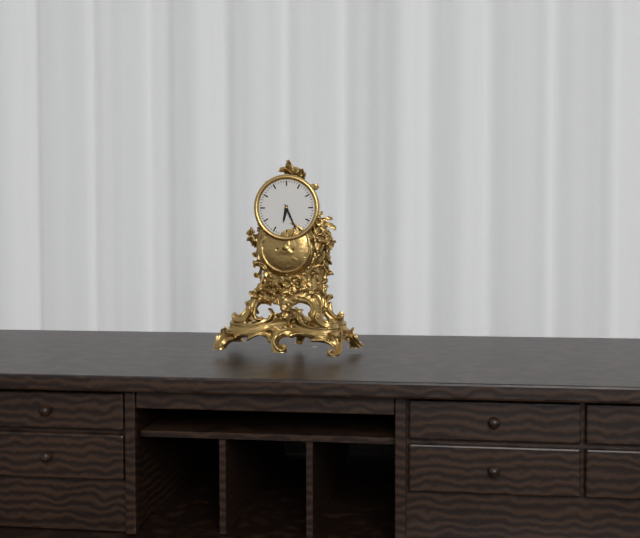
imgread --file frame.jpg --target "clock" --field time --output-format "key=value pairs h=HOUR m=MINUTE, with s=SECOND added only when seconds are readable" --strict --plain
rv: h=6 m=26
